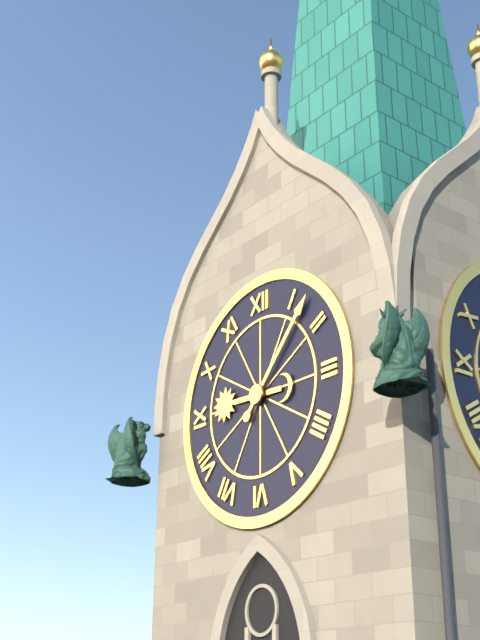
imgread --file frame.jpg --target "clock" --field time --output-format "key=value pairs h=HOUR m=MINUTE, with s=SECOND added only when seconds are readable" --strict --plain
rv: h=9 m=7
